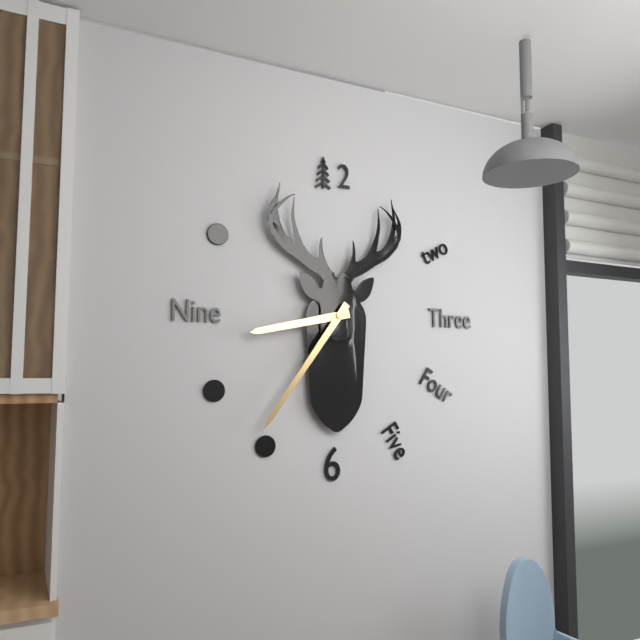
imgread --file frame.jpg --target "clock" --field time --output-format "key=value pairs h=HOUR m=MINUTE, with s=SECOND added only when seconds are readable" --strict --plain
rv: h=8 m=36
